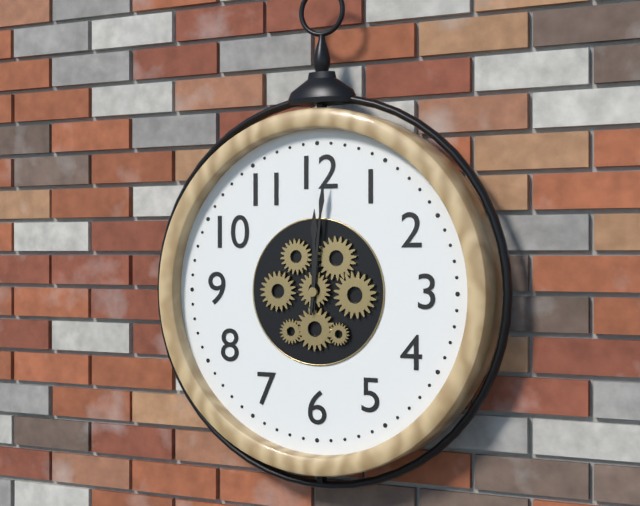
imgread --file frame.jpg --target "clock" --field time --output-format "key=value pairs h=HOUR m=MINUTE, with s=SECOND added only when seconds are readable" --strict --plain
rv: h=12 m=1
